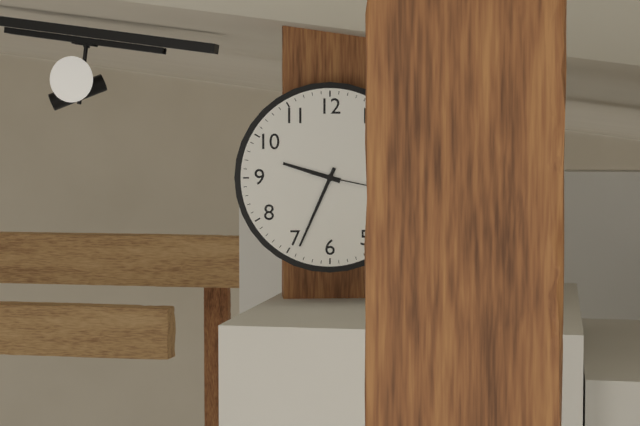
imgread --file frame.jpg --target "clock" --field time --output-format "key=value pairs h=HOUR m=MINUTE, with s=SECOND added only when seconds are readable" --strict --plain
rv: h=9 m=34
